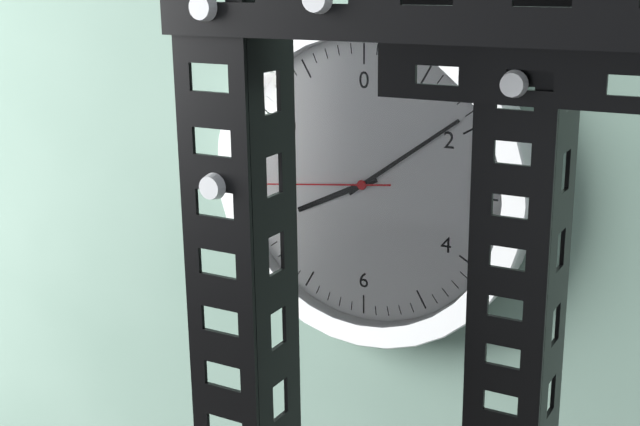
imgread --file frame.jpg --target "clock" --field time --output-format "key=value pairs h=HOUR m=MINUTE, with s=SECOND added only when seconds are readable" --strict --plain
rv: h=8 m=9 s=44
